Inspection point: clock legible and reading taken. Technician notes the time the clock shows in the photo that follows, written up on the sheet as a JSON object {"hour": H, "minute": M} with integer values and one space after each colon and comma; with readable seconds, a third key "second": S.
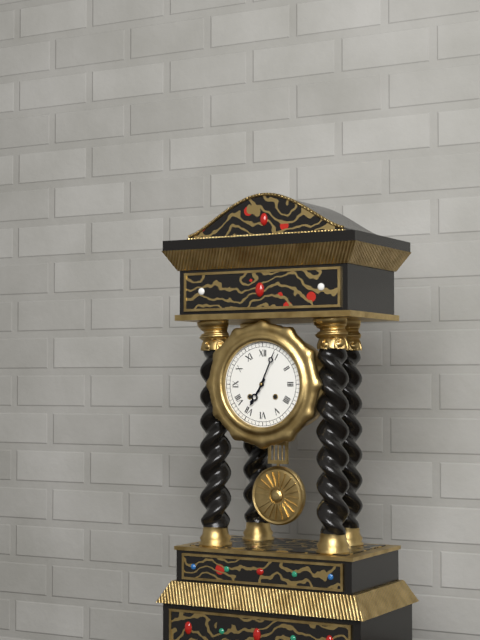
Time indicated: {"hour": 7, "minute": 4}
